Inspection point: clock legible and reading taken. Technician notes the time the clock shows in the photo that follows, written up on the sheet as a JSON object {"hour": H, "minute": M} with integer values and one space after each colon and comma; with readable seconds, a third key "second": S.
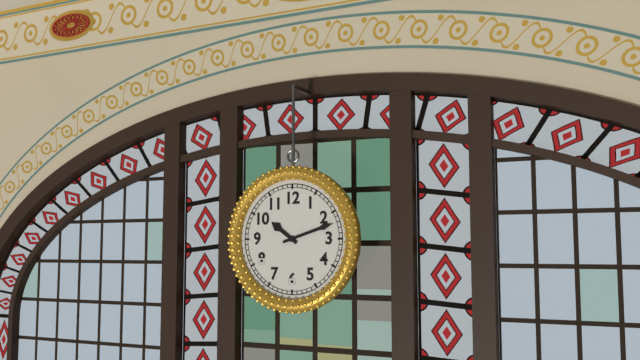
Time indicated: {"hour": 10, "minute": 12}
